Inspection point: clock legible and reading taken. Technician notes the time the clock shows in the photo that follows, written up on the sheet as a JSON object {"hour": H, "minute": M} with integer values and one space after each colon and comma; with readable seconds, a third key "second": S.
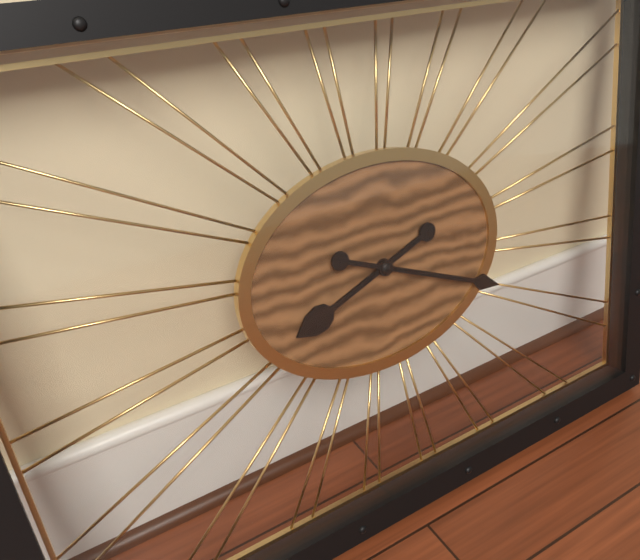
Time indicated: {"hour": 8, "minute": 19}
